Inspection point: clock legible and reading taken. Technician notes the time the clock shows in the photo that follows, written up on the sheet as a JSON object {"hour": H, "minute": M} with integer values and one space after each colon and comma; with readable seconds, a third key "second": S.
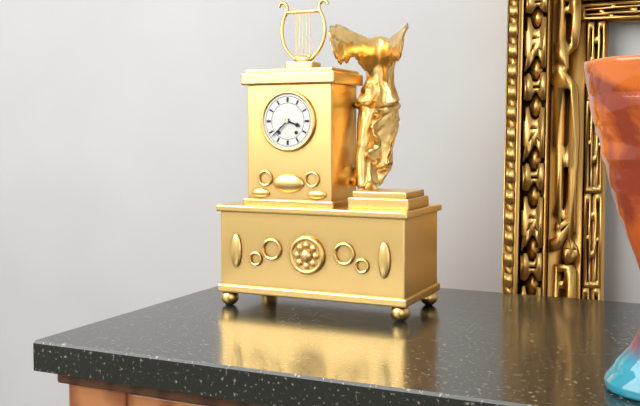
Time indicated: {"hour": 3, "minute": 38}
